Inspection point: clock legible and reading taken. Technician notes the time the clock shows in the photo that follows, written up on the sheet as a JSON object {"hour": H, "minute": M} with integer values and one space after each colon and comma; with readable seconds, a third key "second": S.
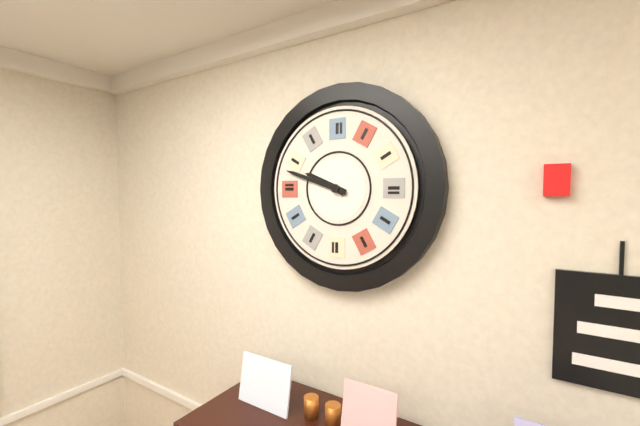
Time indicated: {"hour": 9, "minute": 48}
